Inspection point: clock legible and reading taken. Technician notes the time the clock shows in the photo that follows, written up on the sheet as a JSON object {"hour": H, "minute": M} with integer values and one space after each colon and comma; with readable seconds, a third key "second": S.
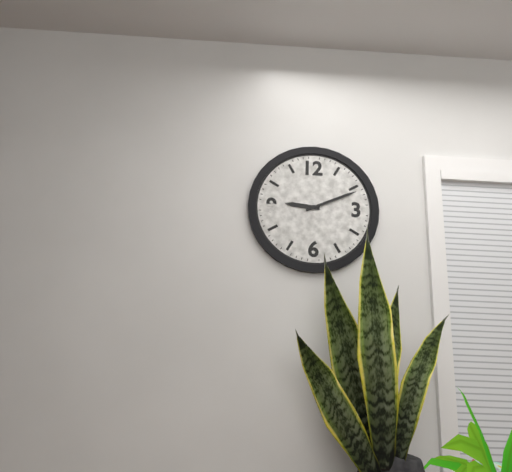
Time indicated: {"hour": 9, "minute": 11}
